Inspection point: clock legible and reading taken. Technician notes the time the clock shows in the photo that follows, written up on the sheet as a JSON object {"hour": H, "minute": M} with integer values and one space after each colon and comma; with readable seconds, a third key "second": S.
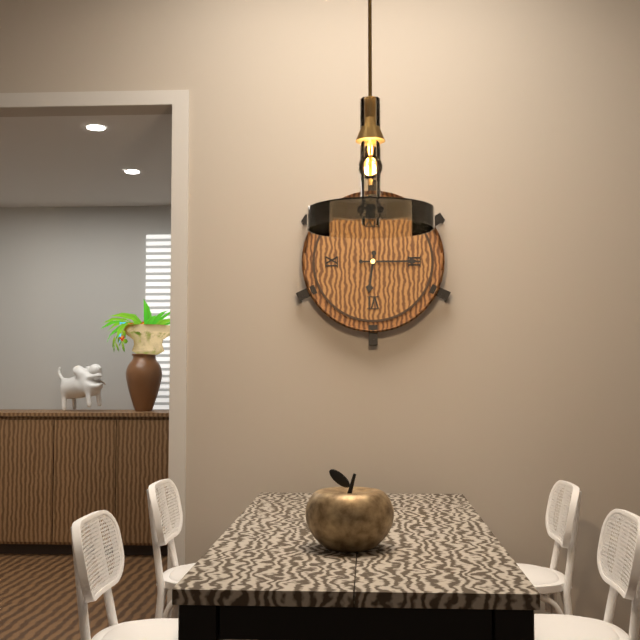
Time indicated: {"hour": 6, "minute": 15}
